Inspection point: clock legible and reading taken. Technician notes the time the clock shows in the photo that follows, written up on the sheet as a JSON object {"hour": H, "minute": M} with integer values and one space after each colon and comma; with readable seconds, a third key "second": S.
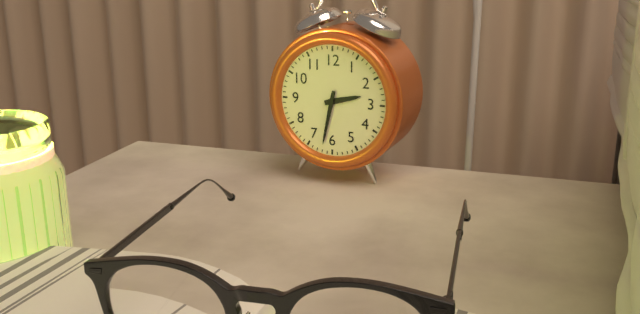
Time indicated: {"hour": 2, "minute": 32}
